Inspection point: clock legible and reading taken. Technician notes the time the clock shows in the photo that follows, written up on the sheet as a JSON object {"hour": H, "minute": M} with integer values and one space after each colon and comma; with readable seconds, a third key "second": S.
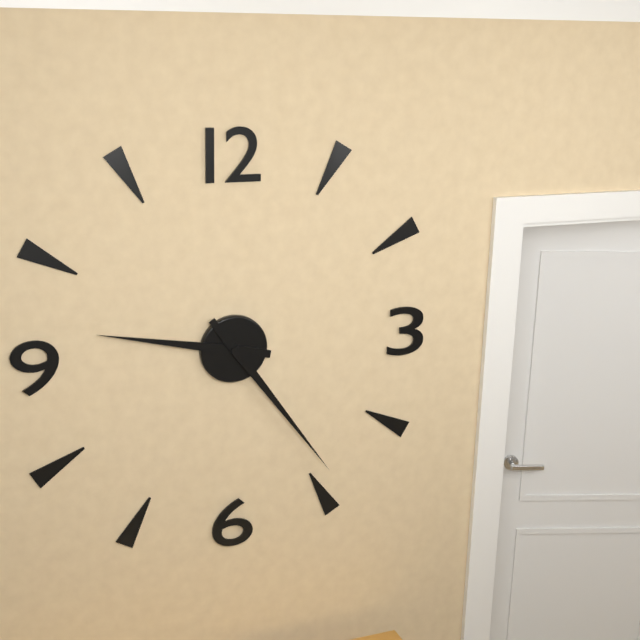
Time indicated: {"hour": 9, "minute": 24}
